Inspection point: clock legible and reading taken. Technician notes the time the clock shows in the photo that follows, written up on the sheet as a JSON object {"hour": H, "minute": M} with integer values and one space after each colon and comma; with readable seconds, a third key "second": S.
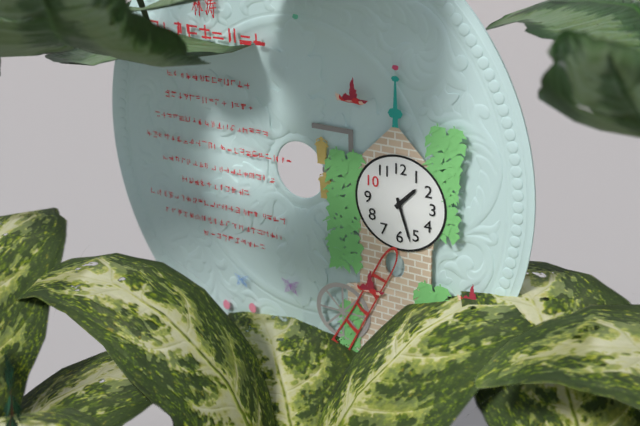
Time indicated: {"hour": 1, "minute": 27}
